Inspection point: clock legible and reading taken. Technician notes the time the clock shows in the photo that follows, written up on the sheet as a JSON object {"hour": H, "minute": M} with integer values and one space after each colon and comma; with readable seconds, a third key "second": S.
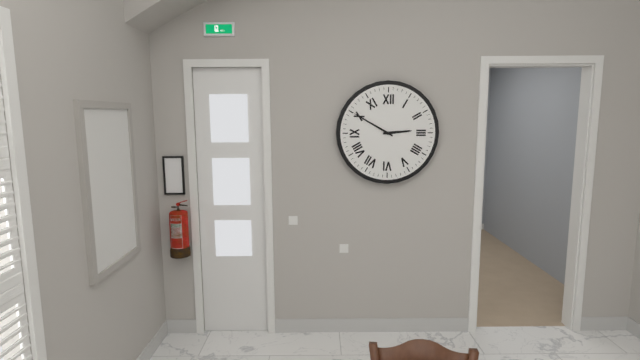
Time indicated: {"hour": 2, "minute": 50}
